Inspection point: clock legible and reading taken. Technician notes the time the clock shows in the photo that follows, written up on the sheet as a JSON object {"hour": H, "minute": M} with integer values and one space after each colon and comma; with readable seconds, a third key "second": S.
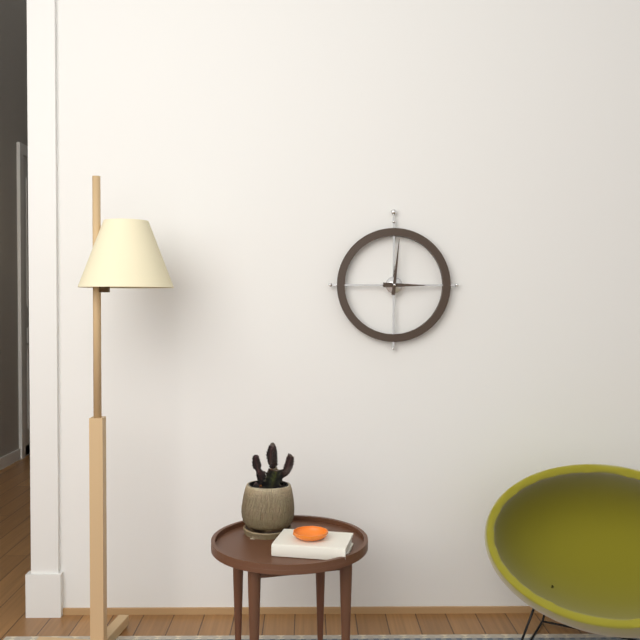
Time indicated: {"hour": 3, "minute": 1}
